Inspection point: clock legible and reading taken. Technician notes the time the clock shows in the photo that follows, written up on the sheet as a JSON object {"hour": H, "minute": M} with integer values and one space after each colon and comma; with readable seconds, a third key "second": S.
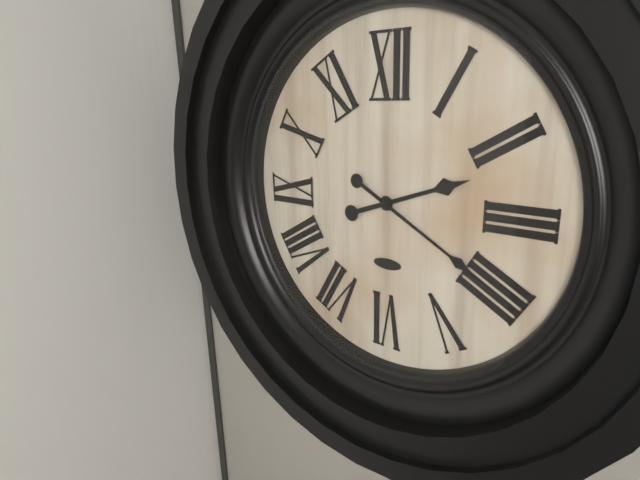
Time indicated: {"hour": 2, "minute": 20}
